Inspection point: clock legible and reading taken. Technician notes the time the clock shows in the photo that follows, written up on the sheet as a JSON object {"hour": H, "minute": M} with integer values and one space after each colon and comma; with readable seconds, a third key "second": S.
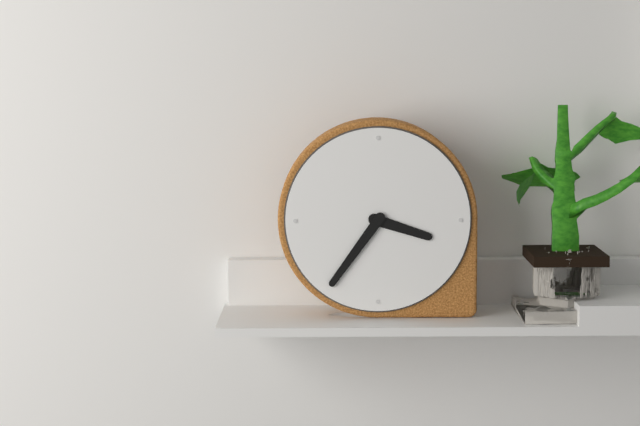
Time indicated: {"hour": 3, "minute": 36}
